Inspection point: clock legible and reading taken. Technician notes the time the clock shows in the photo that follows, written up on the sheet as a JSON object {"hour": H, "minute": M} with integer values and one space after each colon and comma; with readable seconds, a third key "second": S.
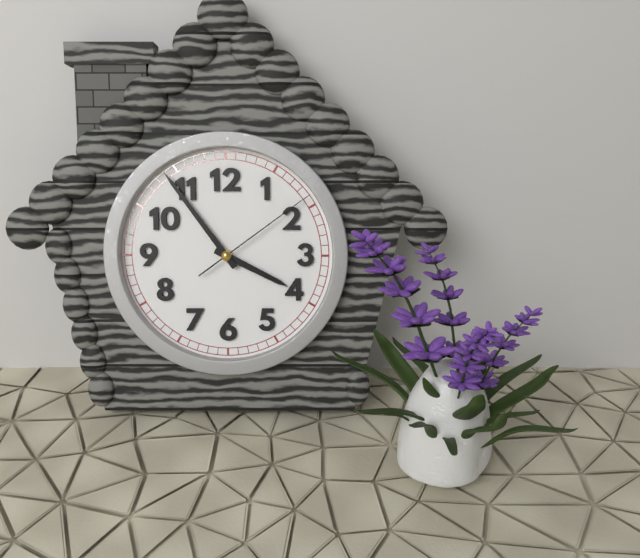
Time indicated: {"hour": 3, "minute": 54, "second": 9}
